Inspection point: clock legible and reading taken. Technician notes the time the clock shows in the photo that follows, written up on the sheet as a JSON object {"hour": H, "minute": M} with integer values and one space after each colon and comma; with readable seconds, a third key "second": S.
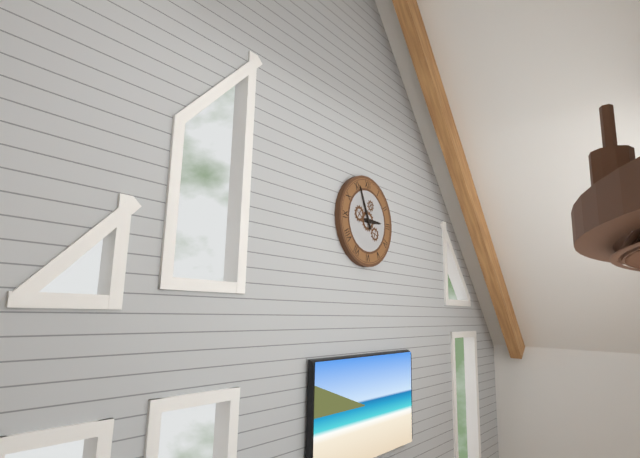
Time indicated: {"hour": 2, "minute": 56}
